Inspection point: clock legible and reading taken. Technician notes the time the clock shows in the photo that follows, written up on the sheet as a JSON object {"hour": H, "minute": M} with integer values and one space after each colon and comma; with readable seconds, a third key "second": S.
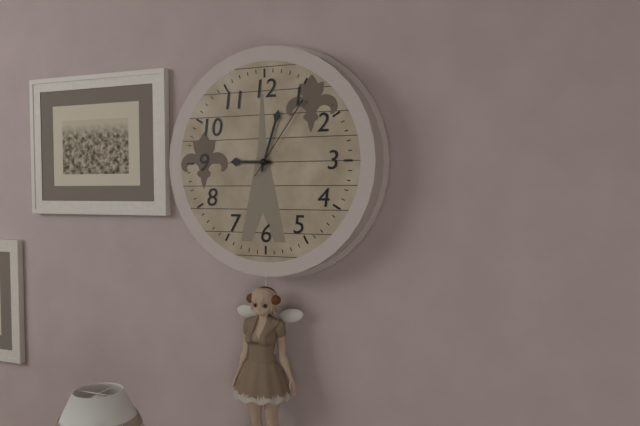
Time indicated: {"hour": 9, "minute": 3, "second": 6}
